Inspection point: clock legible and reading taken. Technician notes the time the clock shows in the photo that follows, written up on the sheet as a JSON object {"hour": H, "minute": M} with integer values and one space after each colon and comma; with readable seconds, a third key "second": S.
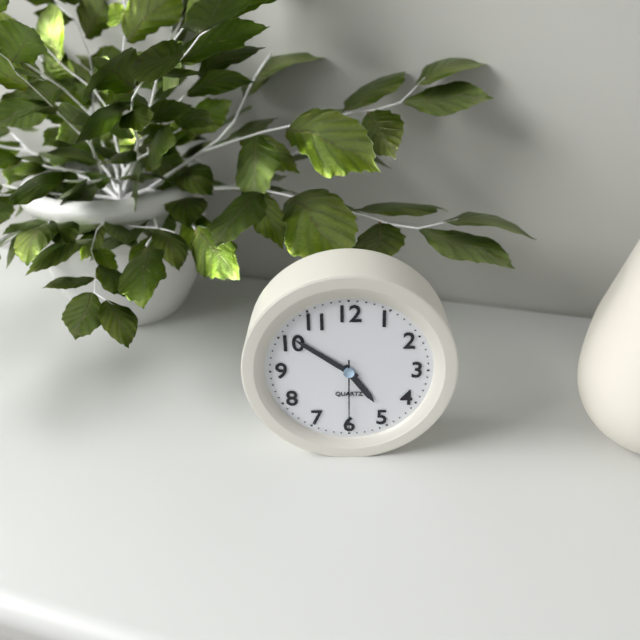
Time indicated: {"hour": 4, "minute": 51, "second": 30}
